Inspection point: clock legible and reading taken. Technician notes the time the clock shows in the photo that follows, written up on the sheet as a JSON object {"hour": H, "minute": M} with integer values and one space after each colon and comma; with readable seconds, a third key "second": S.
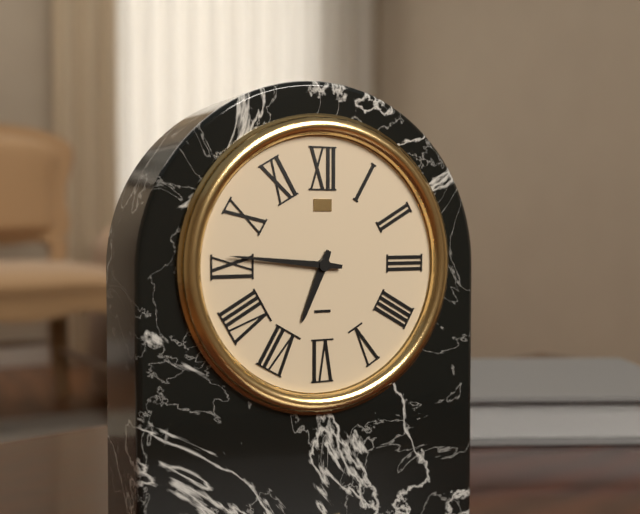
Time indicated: {"hour": 6, "minute": 46}
